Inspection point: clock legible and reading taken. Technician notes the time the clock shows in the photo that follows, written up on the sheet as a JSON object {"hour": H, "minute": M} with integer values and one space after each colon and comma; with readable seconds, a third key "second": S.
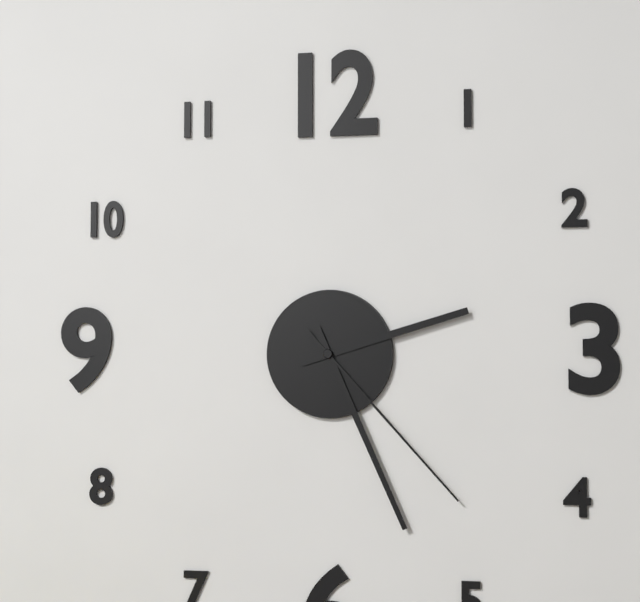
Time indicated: {"hour": 2, "minute": 26, "second": 23}
